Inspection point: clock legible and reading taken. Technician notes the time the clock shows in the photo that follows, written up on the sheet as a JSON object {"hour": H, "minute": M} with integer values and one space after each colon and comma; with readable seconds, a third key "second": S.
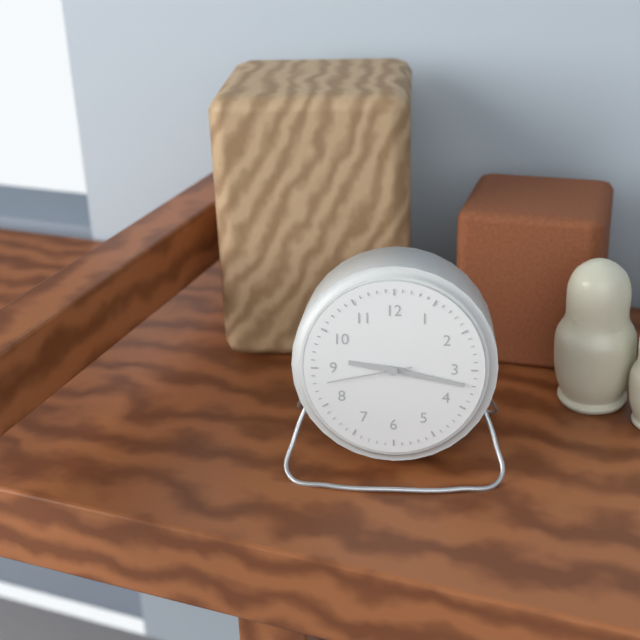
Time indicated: {"hour": 9, "minute": 17, "second": 43}
